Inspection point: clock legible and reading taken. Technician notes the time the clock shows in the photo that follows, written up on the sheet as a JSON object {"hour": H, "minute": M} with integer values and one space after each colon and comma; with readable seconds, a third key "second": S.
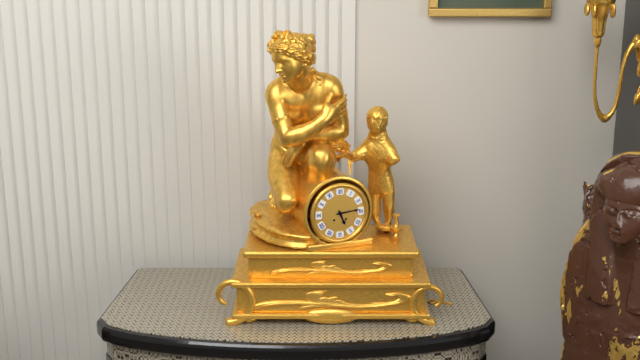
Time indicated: {"hour": 5, "minute": 14}
